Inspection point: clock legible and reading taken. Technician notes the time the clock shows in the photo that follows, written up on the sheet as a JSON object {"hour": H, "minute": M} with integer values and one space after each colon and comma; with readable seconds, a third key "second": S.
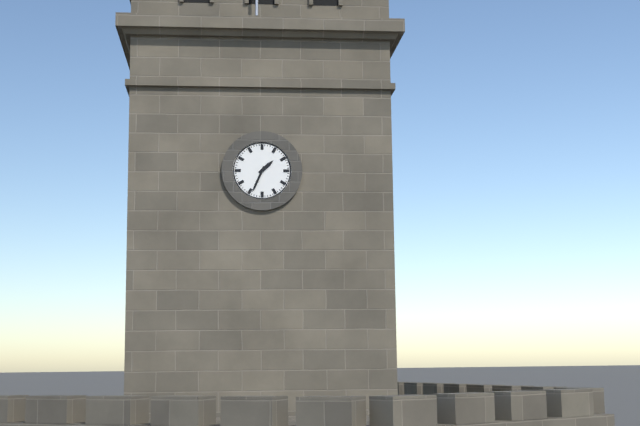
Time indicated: {"hour": 1, "minute": 34}
